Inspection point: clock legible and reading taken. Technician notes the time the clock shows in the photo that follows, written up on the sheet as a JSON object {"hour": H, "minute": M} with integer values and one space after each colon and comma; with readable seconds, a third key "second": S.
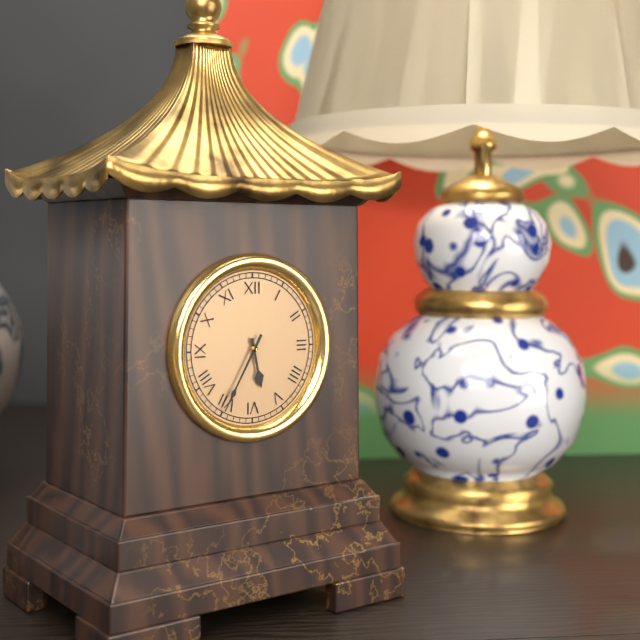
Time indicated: {"hour": 5, "minute": 35}
